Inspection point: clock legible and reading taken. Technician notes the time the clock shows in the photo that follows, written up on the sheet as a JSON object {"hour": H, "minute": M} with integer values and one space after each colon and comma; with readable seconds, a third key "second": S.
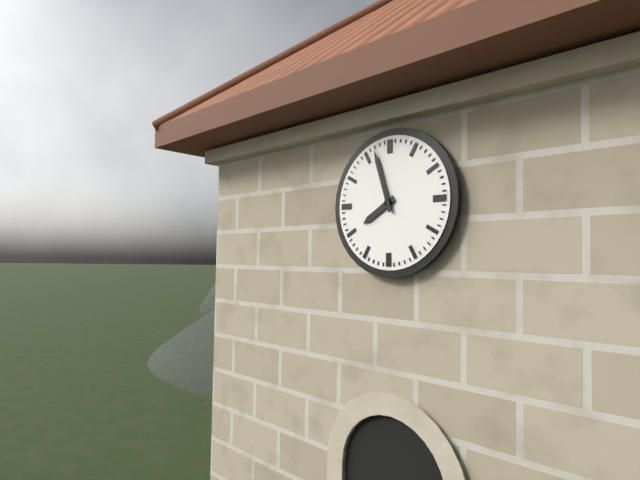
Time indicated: {"hour": 7, "minute": 57}
